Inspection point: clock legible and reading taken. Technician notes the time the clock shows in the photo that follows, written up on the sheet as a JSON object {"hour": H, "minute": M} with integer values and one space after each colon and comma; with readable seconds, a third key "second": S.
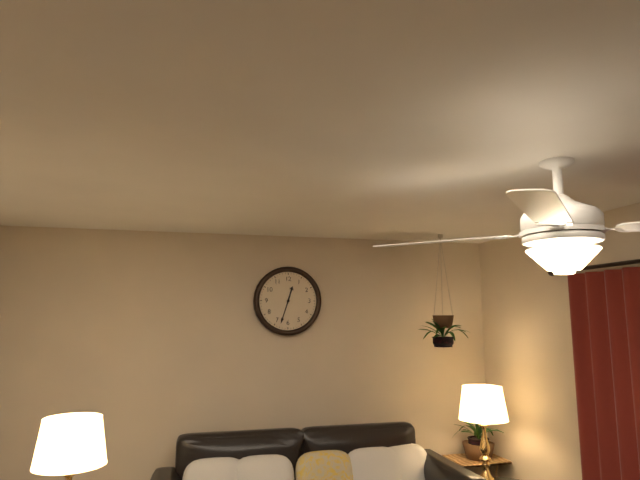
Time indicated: {"hour": 12, "minute": 33}
